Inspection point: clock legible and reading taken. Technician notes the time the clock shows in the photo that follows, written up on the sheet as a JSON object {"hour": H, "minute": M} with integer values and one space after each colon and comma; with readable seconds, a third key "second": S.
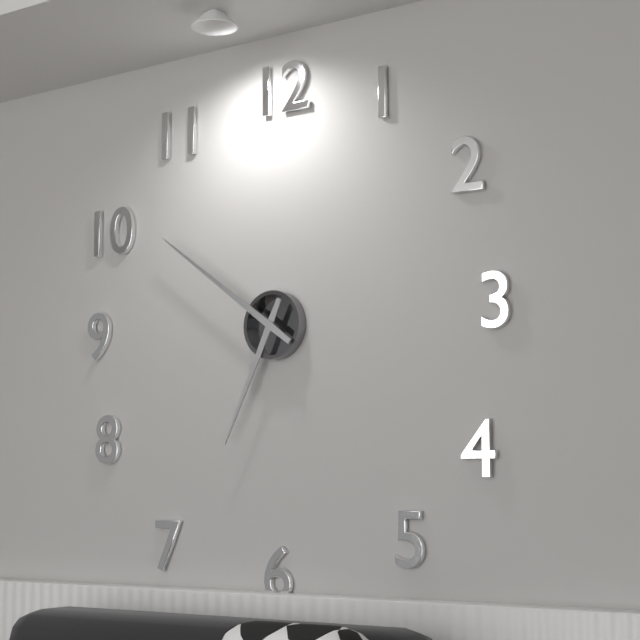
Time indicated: {"hour": 6, "minute": 51}
